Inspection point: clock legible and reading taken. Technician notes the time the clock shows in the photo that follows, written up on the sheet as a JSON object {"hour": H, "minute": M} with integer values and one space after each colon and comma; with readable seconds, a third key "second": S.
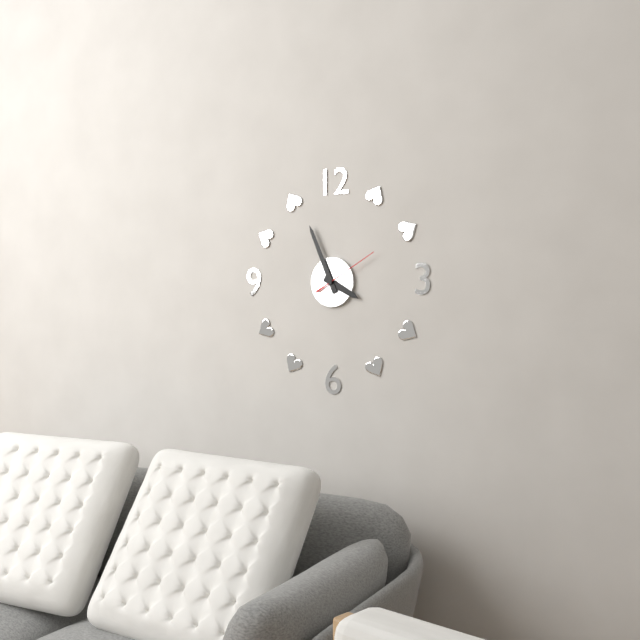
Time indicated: {"hour": 3, "minute": 56, "second": 10}
